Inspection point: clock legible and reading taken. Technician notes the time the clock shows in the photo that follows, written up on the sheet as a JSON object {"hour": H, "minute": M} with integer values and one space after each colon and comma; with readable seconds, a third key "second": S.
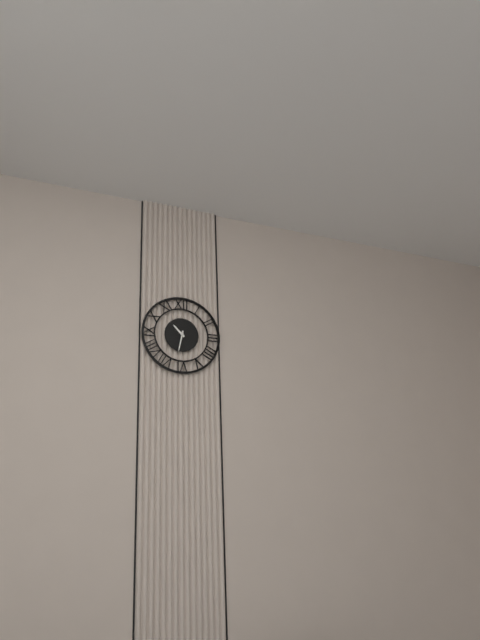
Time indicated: {"hour": 10, "minute": 32}
